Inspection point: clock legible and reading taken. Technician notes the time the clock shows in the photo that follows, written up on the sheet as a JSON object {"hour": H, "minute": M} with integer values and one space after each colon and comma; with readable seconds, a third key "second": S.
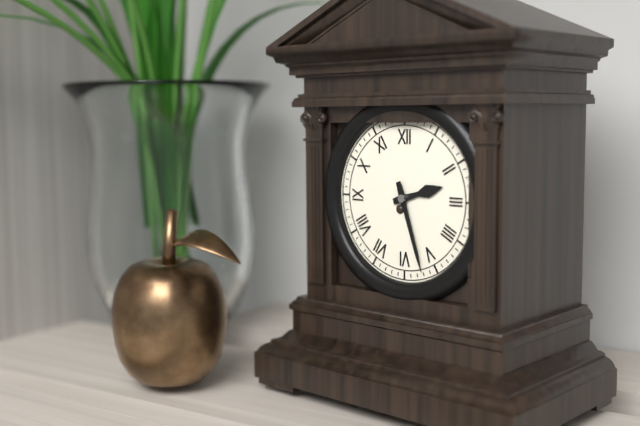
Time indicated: {"hour": 2, "minute": 27}
